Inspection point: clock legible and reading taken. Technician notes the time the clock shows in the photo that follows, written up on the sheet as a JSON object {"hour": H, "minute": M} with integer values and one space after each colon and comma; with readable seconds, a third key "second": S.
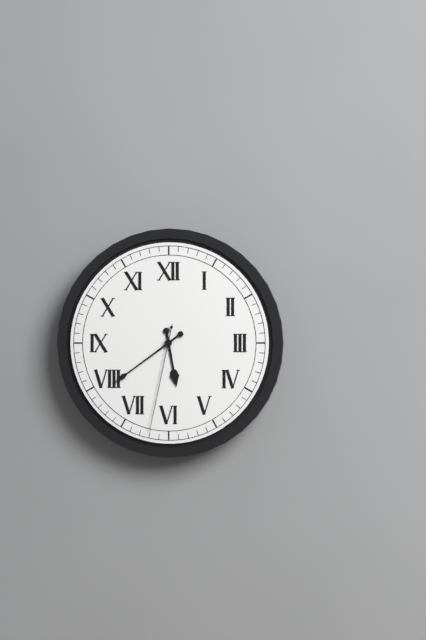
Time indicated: {"hour": 5, "minute": 39, "second": 32}
